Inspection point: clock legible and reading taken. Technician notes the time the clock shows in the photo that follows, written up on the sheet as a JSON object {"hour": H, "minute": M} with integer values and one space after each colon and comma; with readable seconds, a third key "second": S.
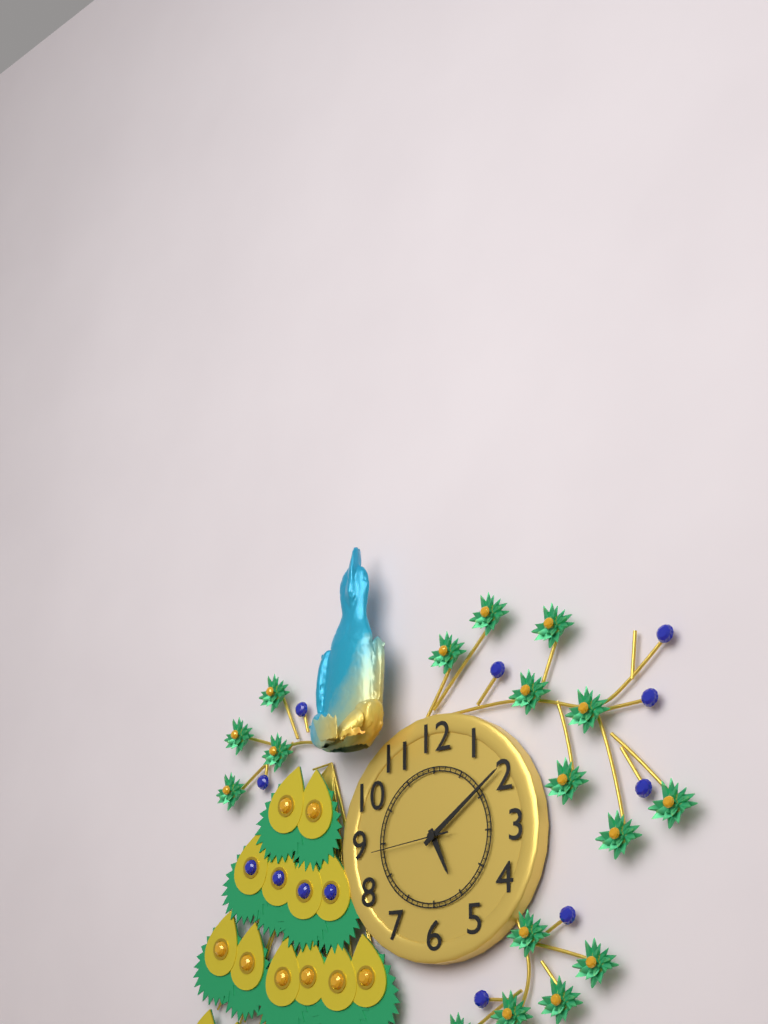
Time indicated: {"hour": 5, "minute": 9, "second": 44}
